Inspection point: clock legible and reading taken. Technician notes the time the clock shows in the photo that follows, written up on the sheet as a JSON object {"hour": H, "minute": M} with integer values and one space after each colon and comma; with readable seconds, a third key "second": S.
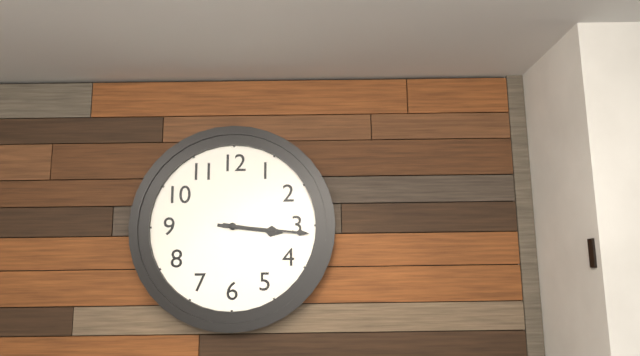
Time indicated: {"hour": 3, "minute": 16}
